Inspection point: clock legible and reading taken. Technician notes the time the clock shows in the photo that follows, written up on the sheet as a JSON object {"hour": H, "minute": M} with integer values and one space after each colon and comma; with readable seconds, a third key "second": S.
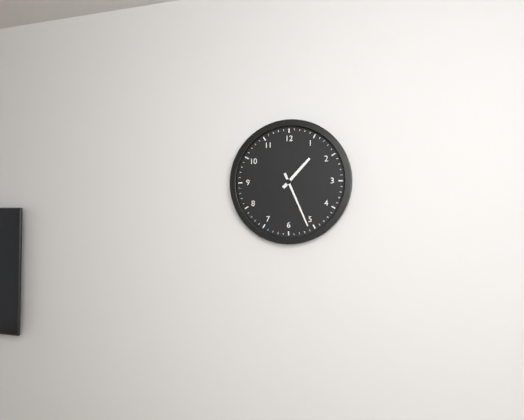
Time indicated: {"hour": 1, "minute": 26}
